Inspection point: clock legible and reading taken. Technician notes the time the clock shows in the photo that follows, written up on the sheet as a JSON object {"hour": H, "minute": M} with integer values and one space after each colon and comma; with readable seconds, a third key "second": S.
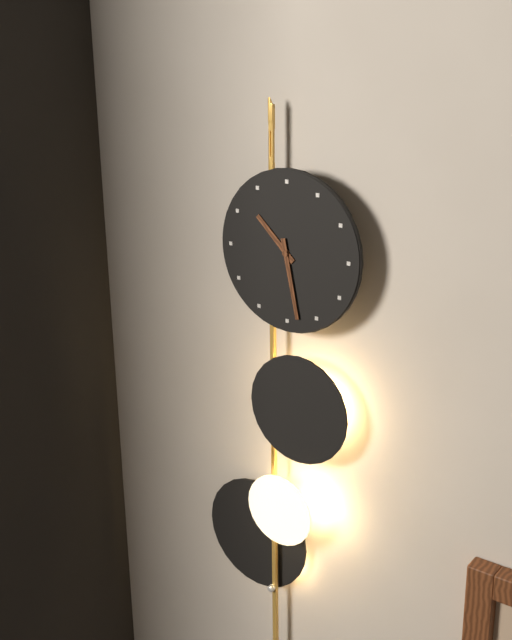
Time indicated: {"hour": 10, "minute": 28}
